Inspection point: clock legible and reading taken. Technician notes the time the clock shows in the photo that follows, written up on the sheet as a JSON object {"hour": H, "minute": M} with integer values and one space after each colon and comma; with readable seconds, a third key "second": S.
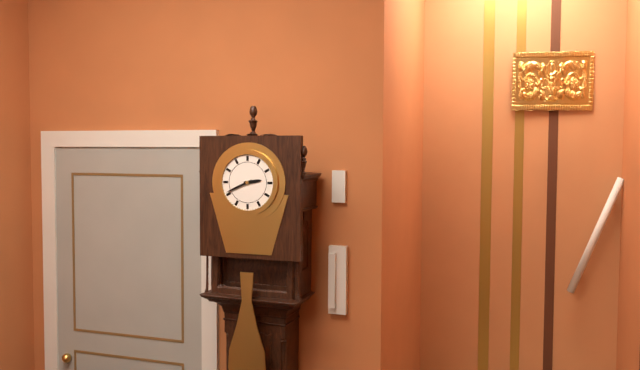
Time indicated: {"hour": 2, "minute": 41}
